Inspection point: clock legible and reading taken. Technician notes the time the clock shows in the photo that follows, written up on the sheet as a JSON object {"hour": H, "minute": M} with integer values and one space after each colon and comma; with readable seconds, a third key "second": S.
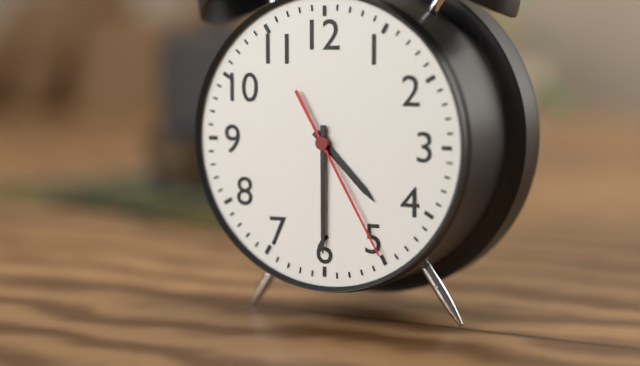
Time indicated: {"hour": 4, "minute": 30, "second": 25}
